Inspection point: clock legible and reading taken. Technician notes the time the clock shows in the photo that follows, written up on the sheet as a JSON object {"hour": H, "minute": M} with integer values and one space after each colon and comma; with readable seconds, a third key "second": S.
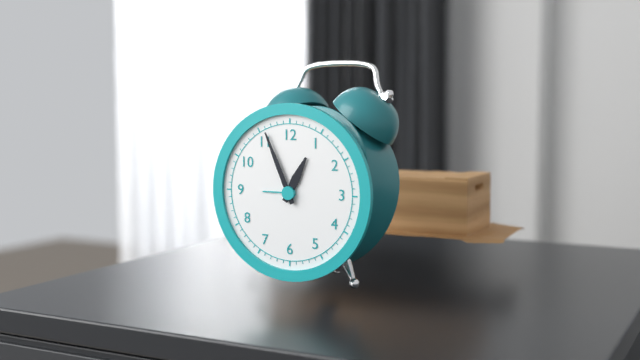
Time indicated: {"hour": 12, "minute": 56}
